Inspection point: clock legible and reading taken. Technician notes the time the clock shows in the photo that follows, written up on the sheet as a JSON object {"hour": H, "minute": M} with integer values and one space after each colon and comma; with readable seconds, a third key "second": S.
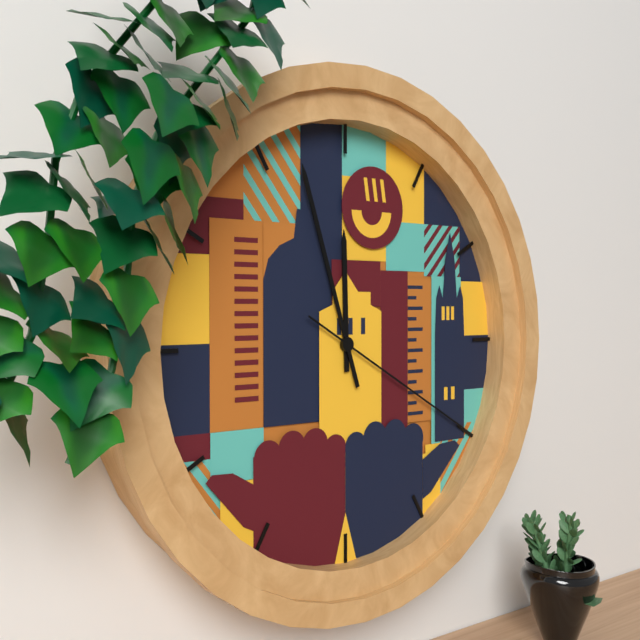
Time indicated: {"hour": 11, "minute": 57, "second": 20}
